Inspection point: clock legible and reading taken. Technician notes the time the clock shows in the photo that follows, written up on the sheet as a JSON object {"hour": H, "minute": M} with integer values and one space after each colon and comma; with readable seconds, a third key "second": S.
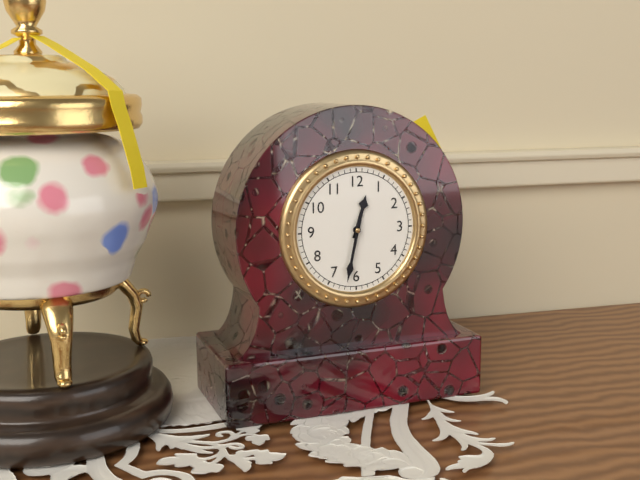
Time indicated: {"hour": 12, "minute": 32}
